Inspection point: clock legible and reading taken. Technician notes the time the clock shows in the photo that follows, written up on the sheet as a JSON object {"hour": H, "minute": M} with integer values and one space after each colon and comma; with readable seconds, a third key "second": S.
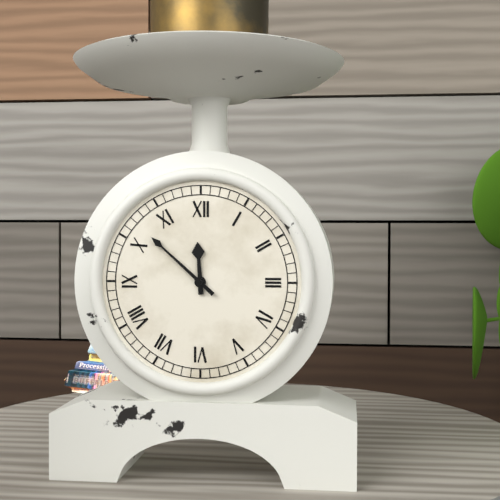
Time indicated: {"hour": 11, "minute": 52}
